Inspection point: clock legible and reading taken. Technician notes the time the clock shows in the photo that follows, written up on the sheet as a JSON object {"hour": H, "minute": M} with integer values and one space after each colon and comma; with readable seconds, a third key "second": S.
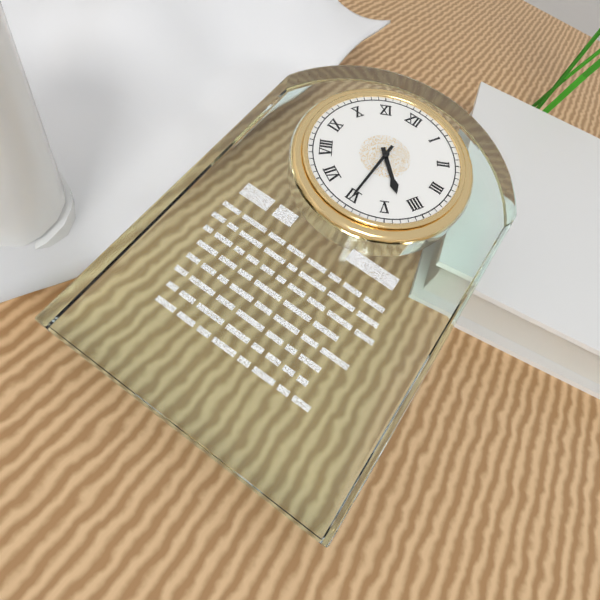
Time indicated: {"hour": 4, "minute": 30}
